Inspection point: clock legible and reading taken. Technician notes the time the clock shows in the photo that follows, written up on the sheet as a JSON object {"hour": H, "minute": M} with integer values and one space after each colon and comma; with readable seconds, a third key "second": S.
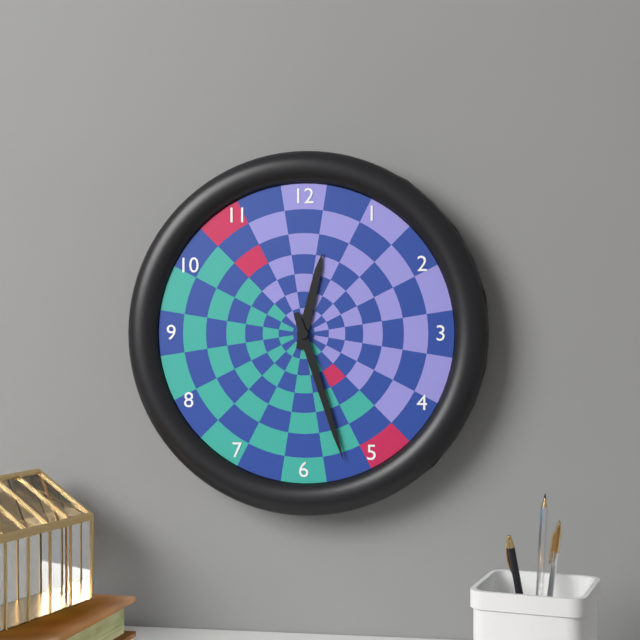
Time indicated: {"hour": 12, "minute": 27}
